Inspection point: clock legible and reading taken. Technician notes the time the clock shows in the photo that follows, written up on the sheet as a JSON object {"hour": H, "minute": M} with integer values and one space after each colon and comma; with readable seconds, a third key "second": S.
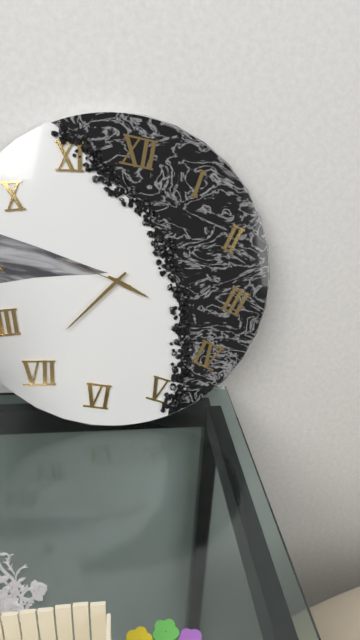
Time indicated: {"hour": 3, "minute": 36, "second": 47}
